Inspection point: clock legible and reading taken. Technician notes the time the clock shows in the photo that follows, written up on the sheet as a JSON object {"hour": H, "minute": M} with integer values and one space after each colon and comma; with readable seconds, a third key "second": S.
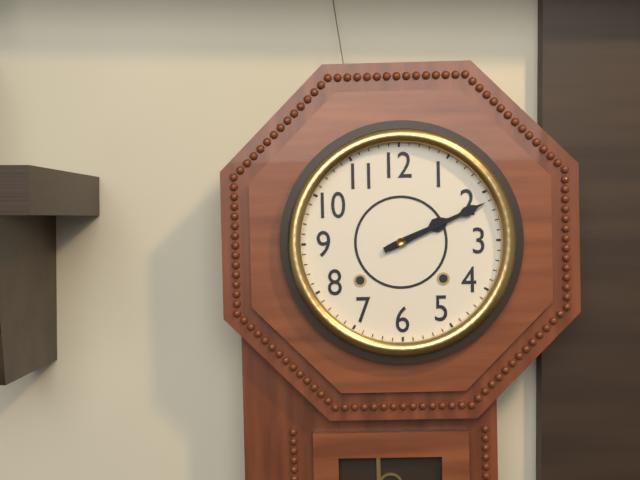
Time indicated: {"hour": 2, "minute": 11}
